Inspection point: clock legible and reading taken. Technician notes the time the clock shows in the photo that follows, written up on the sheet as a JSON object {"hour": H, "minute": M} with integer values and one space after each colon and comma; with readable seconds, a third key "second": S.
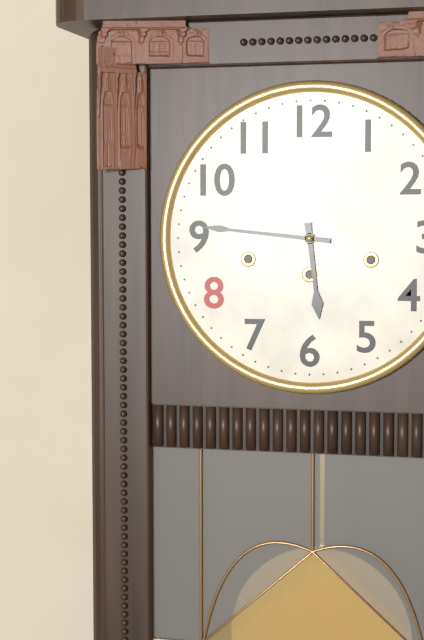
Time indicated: {"hour": 5, "minute": 46}
